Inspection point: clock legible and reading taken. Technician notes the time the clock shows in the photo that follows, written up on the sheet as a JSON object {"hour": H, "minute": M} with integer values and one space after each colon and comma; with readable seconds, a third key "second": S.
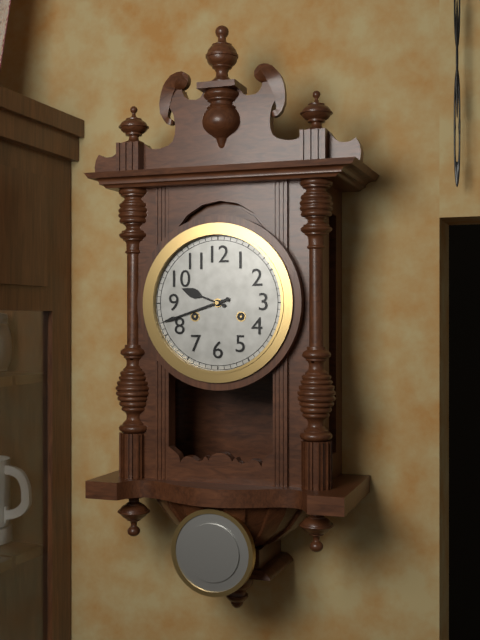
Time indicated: {"hour": 9, "minute": 42}
